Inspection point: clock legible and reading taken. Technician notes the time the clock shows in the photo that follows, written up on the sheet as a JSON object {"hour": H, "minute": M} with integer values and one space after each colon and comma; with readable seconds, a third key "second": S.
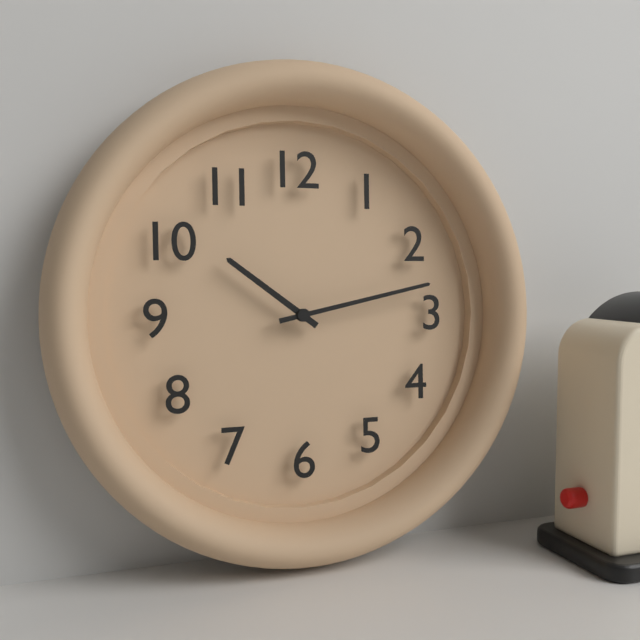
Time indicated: {"hour": 10, "minute": 13}
